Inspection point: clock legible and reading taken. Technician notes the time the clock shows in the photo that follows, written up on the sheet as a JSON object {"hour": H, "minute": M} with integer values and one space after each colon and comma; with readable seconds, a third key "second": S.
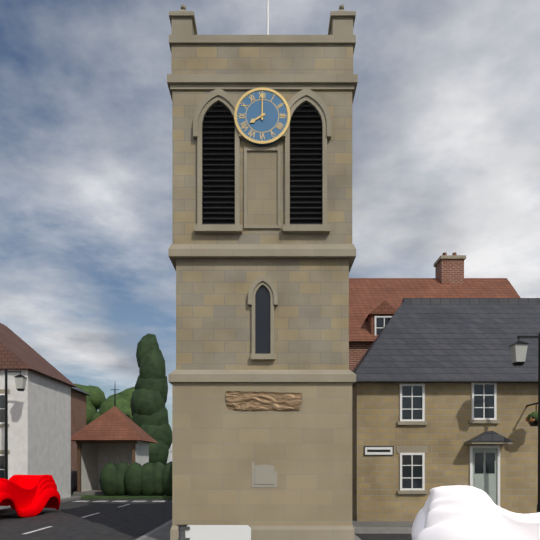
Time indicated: {"hour": 8, "minute": 0}
